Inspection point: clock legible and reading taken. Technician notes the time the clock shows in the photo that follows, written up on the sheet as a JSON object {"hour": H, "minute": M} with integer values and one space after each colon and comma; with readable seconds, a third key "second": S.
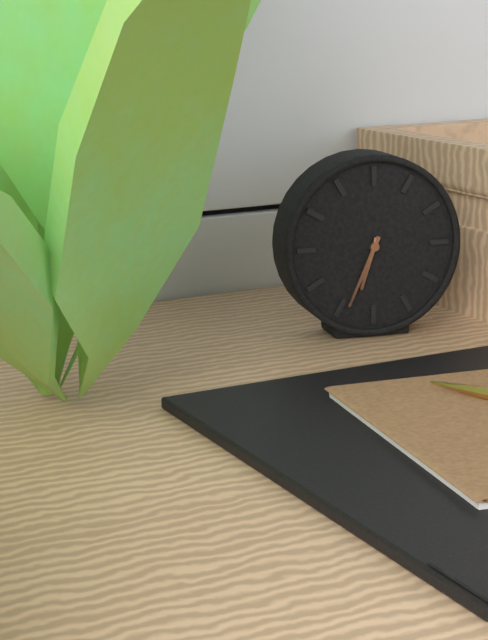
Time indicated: {"hour": 6, "minute": 34}
